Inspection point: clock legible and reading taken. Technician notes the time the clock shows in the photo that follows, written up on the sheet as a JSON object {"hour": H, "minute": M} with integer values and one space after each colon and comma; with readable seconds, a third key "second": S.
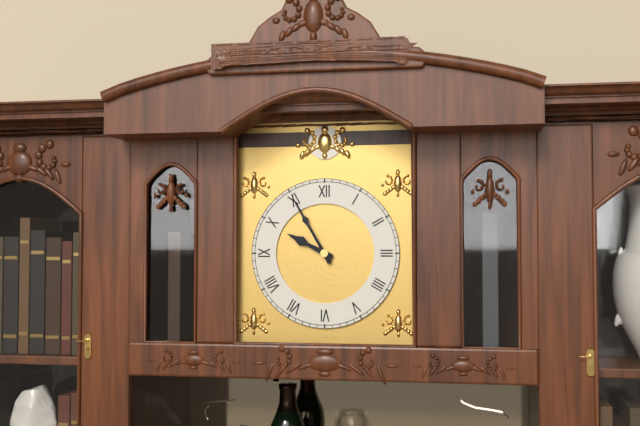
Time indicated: {"hour": 9, "minute": 55}
